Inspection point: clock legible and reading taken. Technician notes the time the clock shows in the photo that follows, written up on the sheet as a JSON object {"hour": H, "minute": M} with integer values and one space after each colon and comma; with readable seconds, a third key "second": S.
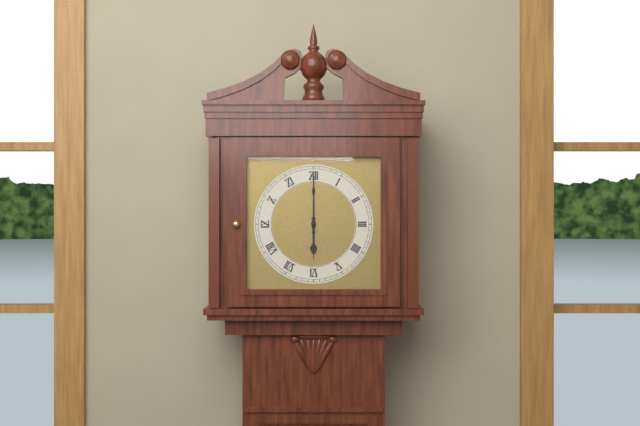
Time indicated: {"hour": 6, "minute": 0}
